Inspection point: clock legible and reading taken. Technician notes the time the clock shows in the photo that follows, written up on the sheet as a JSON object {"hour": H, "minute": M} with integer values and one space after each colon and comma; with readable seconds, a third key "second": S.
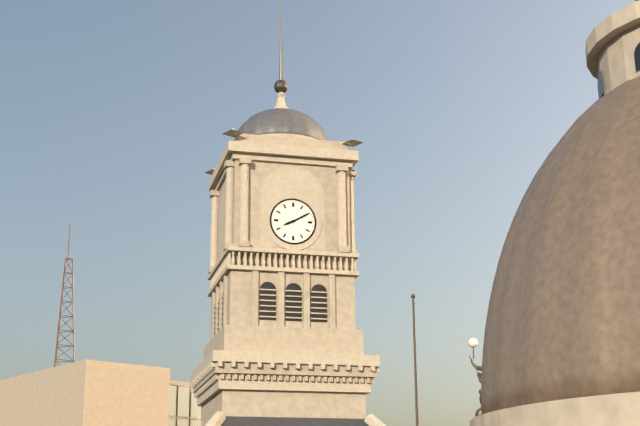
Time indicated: {"hour": 8, "minute": 10}
